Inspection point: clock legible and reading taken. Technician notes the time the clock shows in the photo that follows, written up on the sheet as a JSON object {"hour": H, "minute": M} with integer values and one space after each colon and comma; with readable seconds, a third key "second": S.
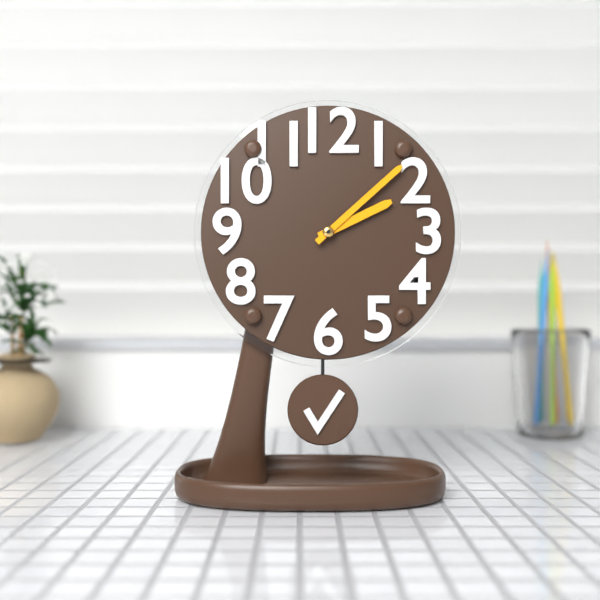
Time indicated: {"hour": 2, "minute": 8}
